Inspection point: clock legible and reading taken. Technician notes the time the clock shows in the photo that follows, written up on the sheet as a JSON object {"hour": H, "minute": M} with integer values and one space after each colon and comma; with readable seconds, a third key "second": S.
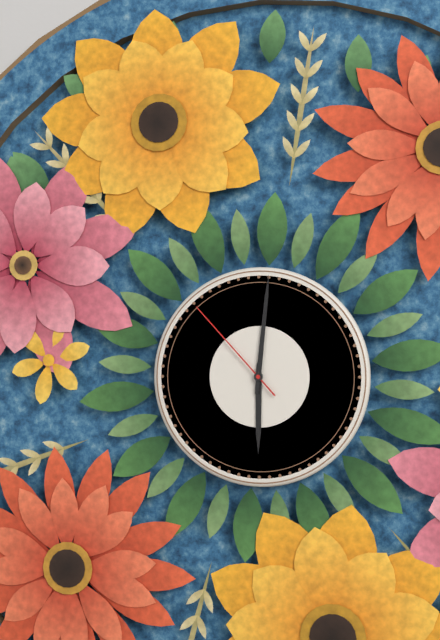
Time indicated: {"hour": 6, "minute": 1, "second": 53}
